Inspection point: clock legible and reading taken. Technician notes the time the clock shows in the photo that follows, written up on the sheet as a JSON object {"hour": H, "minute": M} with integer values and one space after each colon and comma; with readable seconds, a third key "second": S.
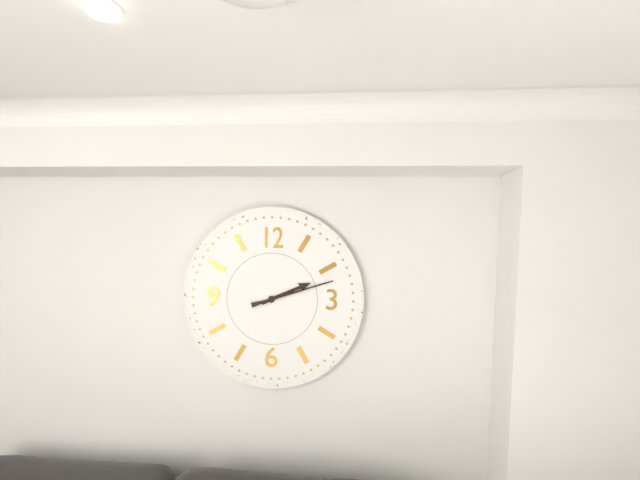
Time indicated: {"hour": 2, "minute": 12}
